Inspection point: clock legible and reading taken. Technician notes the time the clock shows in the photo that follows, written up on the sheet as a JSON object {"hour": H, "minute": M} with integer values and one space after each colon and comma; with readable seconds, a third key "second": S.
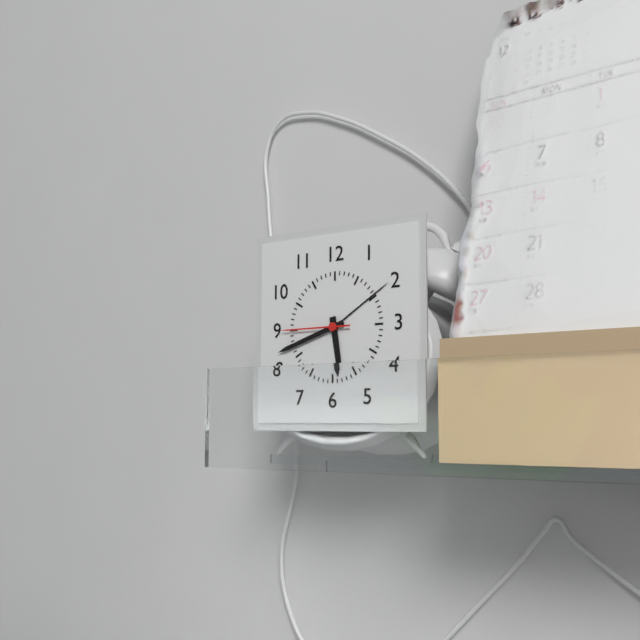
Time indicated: {"hour": 5, "minute": 42, "second": 45}
